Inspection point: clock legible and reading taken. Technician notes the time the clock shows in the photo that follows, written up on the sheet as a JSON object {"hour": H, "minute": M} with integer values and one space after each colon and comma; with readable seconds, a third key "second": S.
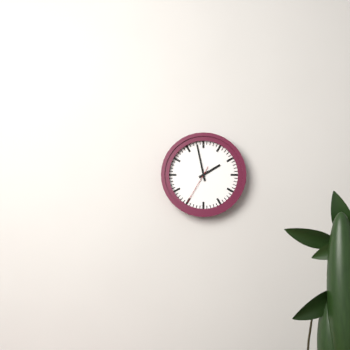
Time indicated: {"hour": 1, "minute": 58}
